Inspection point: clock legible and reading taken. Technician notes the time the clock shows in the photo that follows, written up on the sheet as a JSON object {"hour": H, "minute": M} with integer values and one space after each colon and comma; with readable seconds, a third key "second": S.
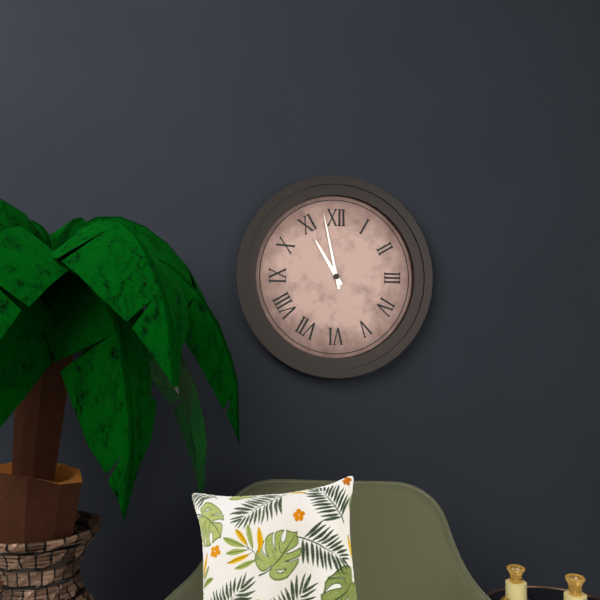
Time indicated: {"hour": 10, "minute": 58}
